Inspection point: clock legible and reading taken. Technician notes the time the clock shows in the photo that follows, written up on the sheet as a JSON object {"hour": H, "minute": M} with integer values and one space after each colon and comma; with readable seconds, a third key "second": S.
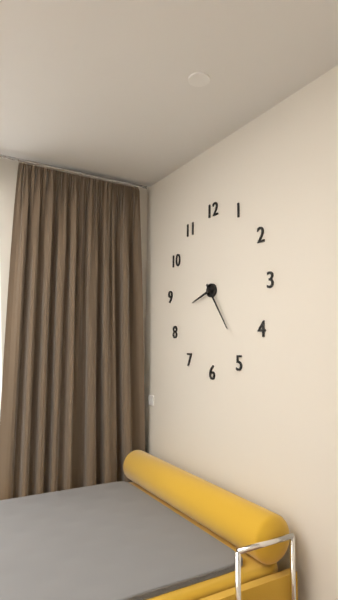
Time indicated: {"hour": 8, "minute": 24}
